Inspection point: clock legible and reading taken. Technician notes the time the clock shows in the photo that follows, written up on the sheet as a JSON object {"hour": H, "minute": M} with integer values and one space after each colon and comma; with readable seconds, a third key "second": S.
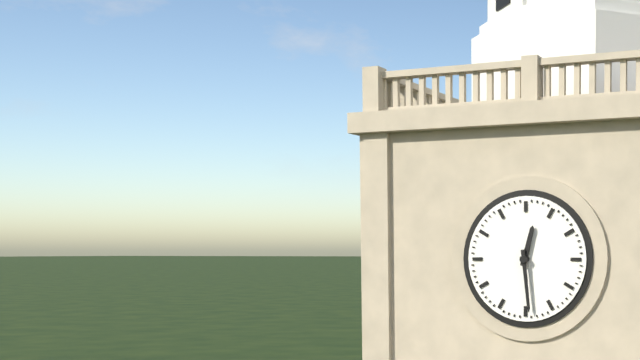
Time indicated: {"hour": 12, "minute": 29}
